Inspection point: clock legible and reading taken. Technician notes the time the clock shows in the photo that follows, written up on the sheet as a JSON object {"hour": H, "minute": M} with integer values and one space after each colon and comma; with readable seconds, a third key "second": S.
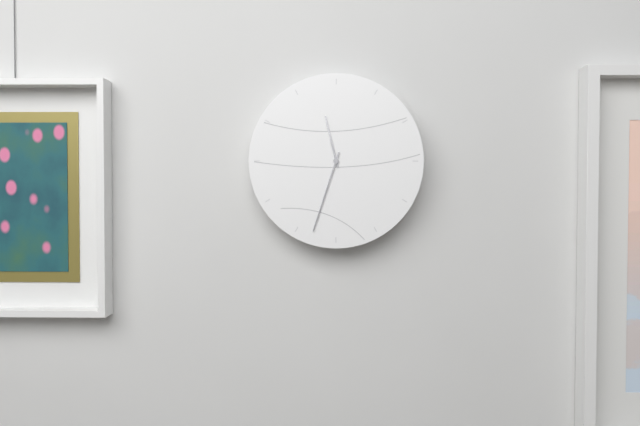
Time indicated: {"hour": 11, "minute": 33}
